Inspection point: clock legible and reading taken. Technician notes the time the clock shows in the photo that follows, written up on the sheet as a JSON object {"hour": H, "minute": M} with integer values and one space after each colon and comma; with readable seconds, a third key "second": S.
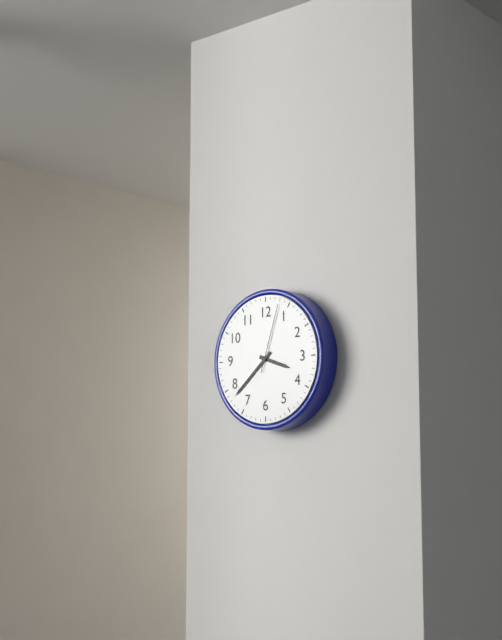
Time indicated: {"hour": 3, "minute": 38, "second": 3}
